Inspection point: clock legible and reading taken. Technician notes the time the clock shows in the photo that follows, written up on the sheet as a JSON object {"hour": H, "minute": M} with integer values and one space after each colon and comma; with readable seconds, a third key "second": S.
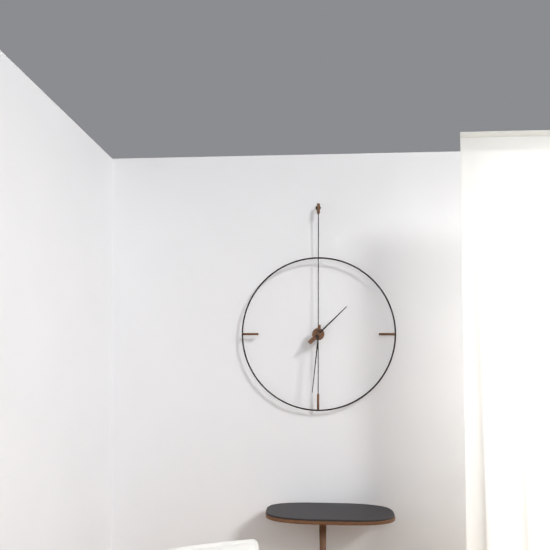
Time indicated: {"hour": 1, "minute": 31}
